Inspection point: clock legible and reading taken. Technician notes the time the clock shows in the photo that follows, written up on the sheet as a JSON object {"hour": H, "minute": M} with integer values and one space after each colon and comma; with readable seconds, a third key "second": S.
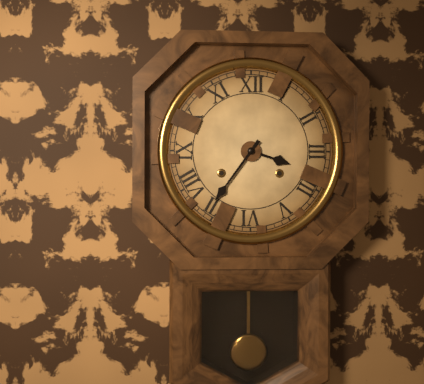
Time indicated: {"hour": 3, "minute": 36}
